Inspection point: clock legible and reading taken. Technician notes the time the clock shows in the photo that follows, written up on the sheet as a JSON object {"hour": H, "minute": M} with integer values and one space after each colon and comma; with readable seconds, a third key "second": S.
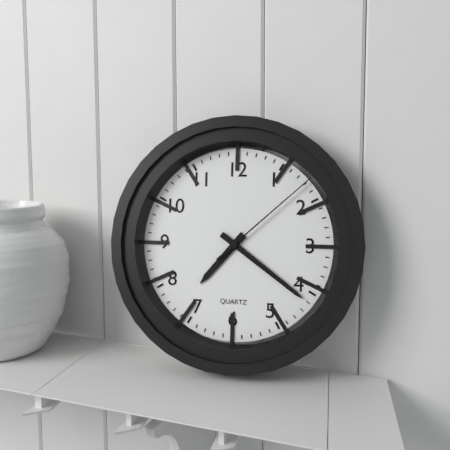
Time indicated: {"hour": 7, "minute": 21, "second": 8}
